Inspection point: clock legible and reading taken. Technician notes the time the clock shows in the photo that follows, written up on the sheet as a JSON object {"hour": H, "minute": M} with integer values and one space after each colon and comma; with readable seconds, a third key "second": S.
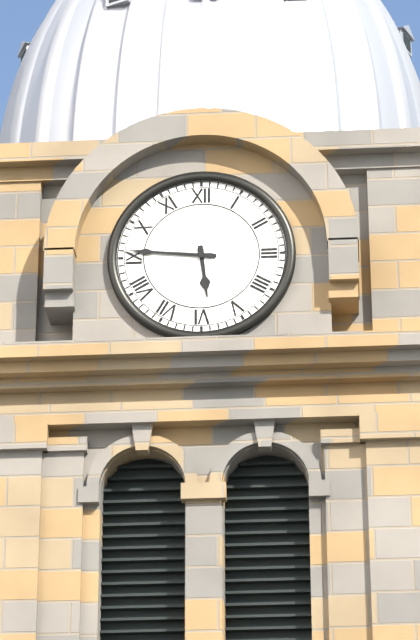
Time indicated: {"hour": 5, "minute": 46}
